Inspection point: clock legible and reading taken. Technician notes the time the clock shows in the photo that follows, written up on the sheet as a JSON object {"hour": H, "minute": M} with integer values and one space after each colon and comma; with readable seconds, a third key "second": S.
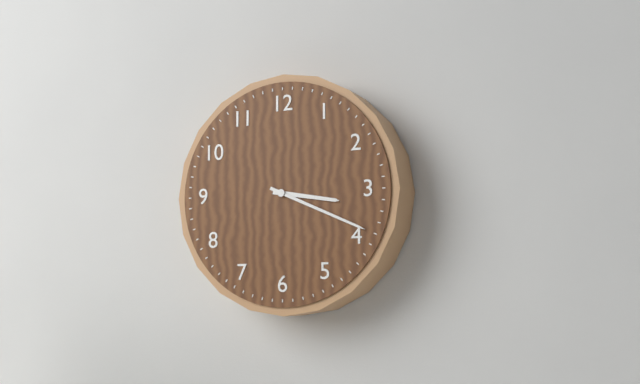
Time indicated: {"hour": 3, "minute": 19}
